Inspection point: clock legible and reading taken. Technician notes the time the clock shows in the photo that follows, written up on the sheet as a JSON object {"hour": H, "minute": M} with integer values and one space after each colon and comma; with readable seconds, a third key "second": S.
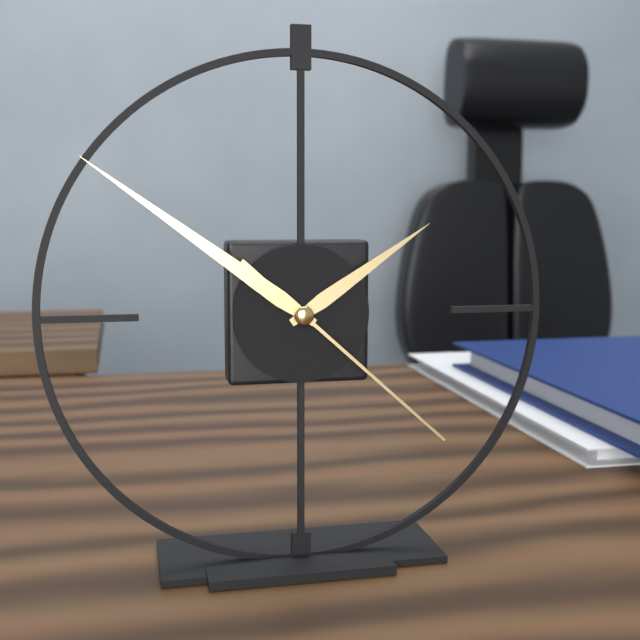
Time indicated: {"hour": 1, "minute": 51, "second": 22}
